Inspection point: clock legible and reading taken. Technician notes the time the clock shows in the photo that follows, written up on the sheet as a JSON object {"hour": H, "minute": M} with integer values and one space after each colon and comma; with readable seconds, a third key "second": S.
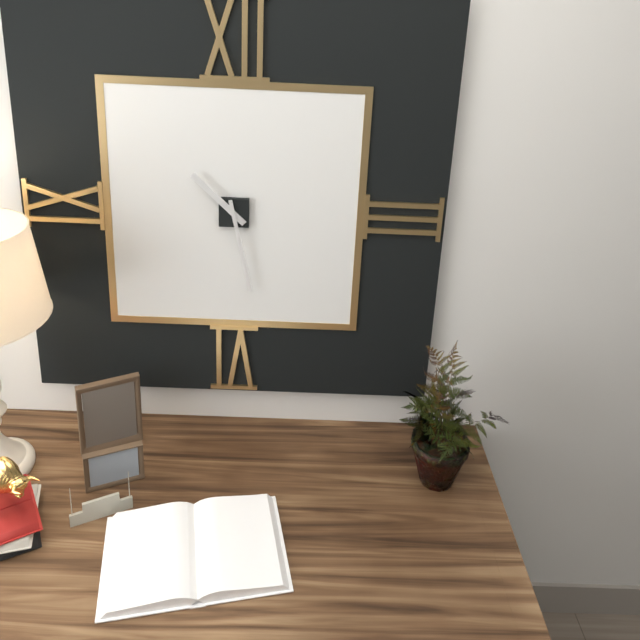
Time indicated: {"hour": 10, "minute": 28}
